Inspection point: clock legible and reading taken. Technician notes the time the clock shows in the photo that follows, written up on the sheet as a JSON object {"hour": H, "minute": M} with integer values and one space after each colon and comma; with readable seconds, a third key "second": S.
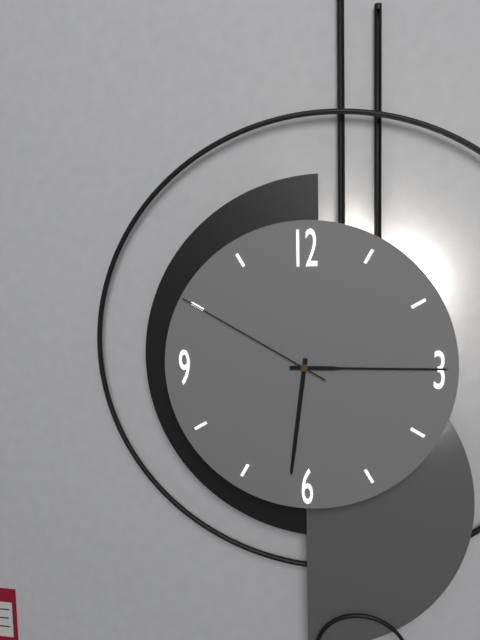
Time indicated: {"hour": 6, "minute": 15, "second": 50}
